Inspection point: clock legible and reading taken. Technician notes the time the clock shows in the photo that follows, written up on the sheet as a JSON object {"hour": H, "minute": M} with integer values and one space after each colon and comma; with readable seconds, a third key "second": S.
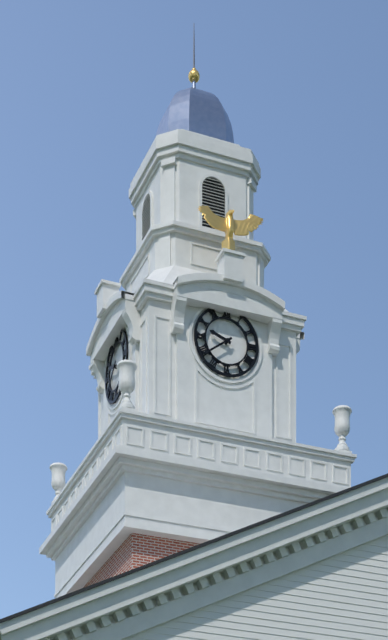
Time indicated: {"hour": 9, "minute": 39}
